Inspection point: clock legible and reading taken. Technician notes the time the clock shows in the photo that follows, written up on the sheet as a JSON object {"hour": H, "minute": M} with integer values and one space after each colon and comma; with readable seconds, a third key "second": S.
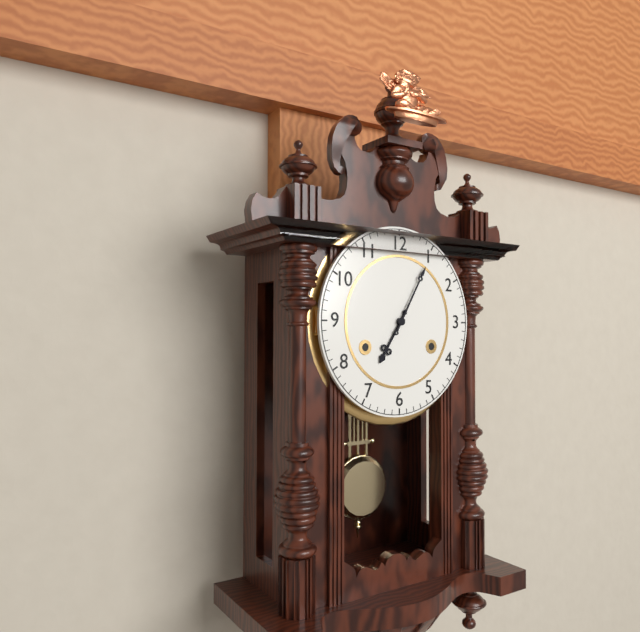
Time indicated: {"hour": 7, "minute": 5}
